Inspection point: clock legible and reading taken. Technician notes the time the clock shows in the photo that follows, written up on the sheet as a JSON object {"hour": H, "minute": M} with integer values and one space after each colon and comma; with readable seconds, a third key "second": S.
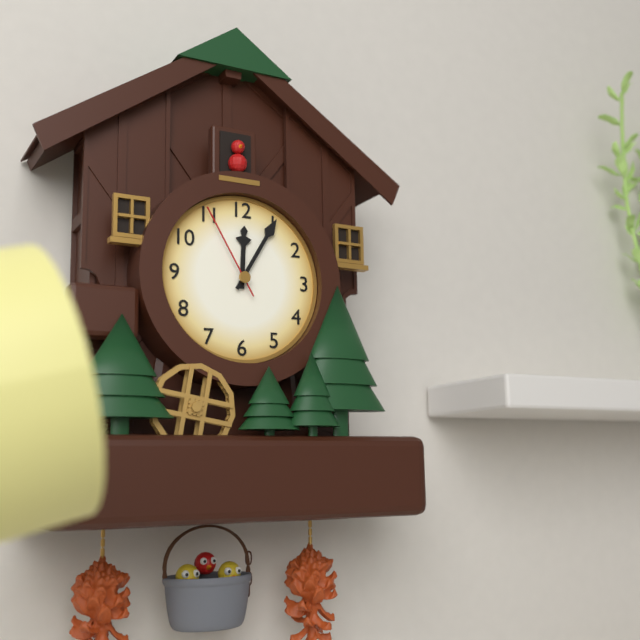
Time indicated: {"hour": 12, "minute": 5, "second": 55}
